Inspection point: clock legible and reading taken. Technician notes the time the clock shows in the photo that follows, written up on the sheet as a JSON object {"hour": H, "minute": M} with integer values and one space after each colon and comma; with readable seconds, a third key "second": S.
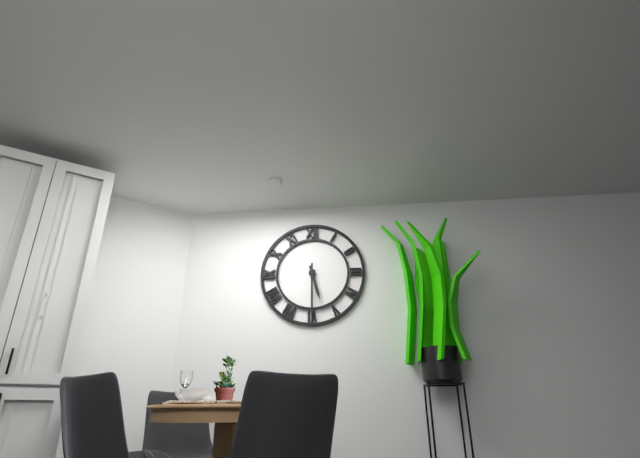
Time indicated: {"hour": 5, "minute": 30}
